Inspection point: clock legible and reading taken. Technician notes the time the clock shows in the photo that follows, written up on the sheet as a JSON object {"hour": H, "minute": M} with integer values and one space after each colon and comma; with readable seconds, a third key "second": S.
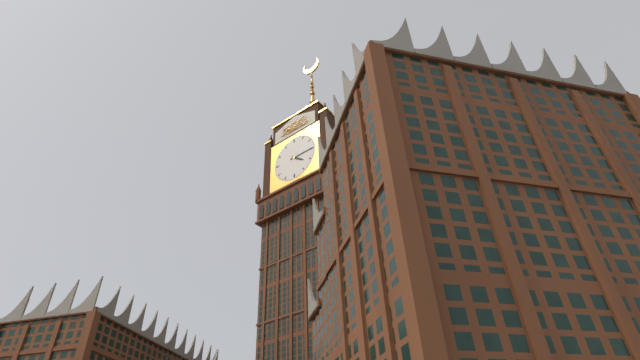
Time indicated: {"hour": 4, "minute": 15}
